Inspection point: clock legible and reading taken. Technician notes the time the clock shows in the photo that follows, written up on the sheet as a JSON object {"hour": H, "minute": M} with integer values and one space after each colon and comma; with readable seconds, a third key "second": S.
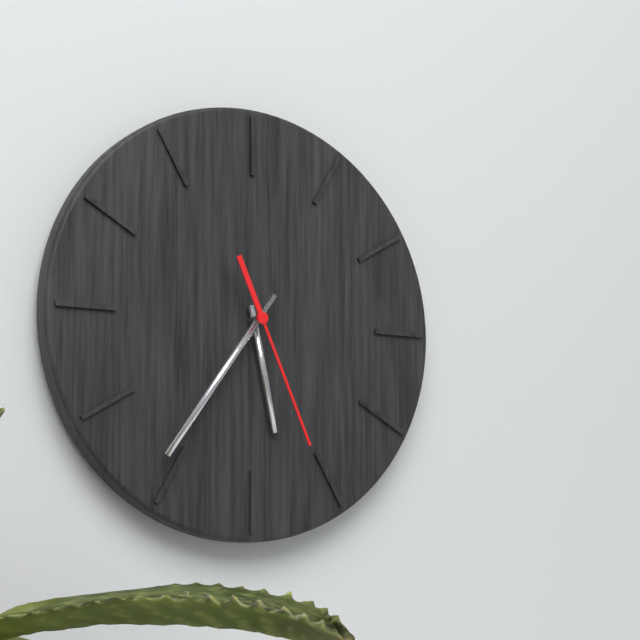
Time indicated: {"hour": 5, "minute": 36, "second": 26}
